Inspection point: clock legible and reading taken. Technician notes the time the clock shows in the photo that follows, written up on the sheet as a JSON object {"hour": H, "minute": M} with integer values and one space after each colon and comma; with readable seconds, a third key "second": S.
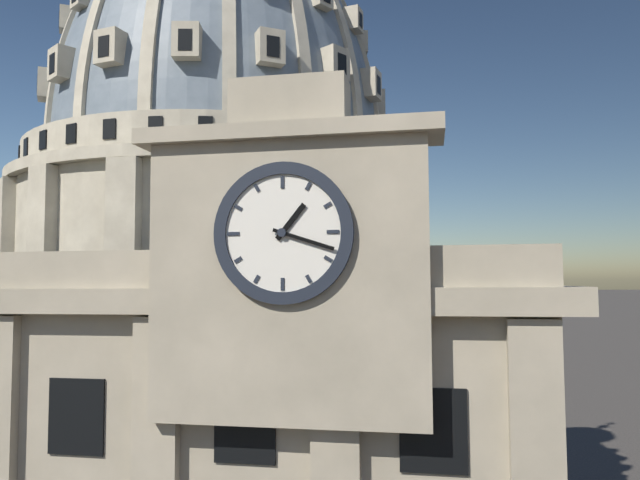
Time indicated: {"hour": 1, "minute": 18}
